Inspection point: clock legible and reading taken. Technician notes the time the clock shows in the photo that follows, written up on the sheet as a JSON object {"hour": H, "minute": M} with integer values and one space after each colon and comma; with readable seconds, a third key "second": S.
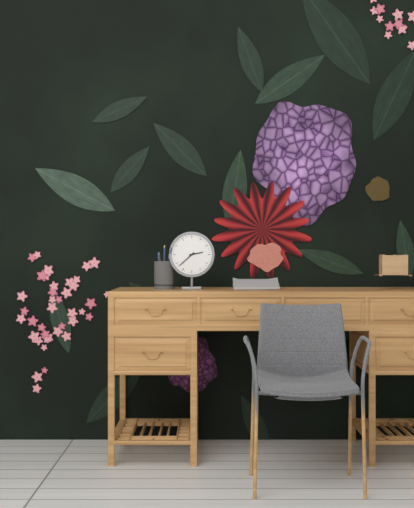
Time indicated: {"hour": 2, "minute": 38}
